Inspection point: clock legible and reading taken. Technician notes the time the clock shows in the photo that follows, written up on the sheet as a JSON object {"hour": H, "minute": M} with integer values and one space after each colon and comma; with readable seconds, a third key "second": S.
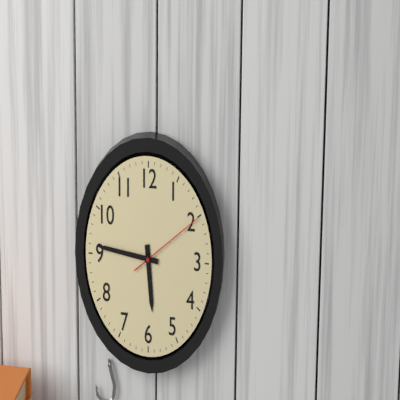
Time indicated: {"hour": 5, "minute": 46, "second": 10}
